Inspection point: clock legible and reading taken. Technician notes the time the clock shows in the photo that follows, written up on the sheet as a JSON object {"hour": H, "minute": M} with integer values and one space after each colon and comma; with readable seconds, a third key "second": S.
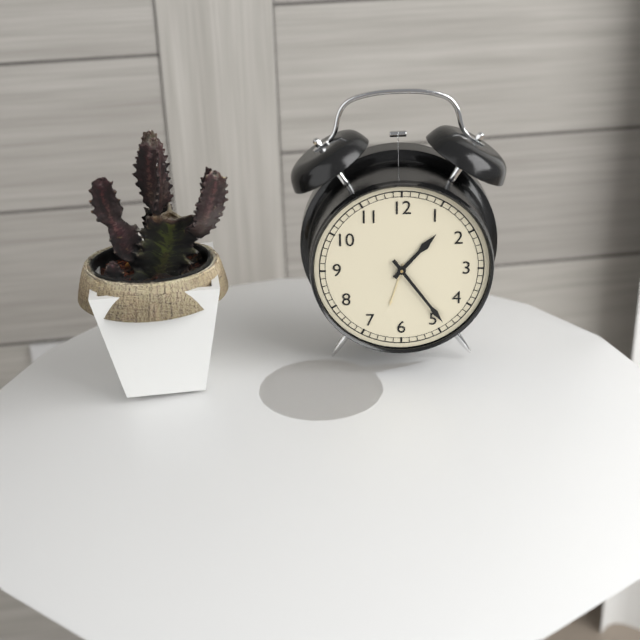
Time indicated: {"hour": 1, "minute": 24}
